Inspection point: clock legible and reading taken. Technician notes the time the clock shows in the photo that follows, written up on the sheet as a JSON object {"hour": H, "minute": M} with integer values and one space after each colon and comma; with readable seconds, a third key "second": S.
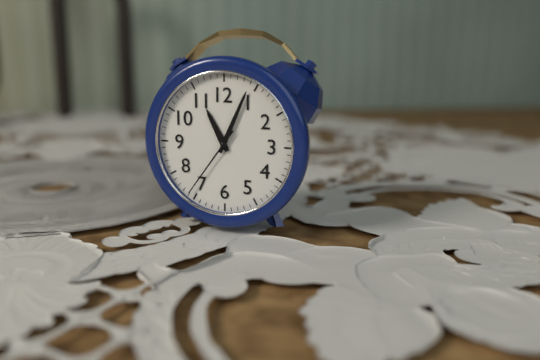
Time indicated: {"hour": 11, "minute": 4, "second": 36}
